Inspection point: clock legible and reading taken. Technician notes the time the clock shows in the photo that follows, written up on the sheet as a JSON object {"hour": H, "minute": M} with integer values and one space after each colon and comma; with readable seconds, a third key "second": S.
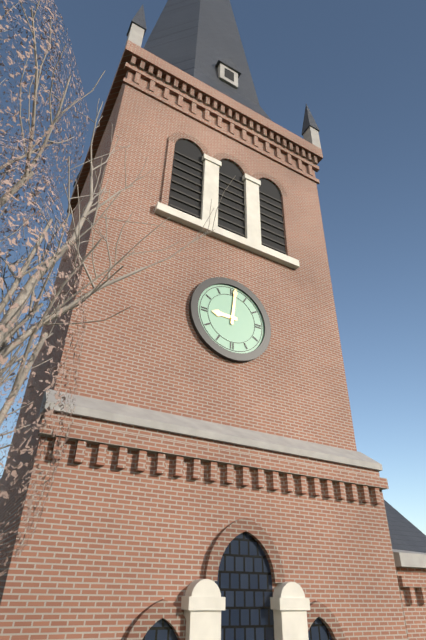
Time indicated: {"hour": 9, "minute": 1}
